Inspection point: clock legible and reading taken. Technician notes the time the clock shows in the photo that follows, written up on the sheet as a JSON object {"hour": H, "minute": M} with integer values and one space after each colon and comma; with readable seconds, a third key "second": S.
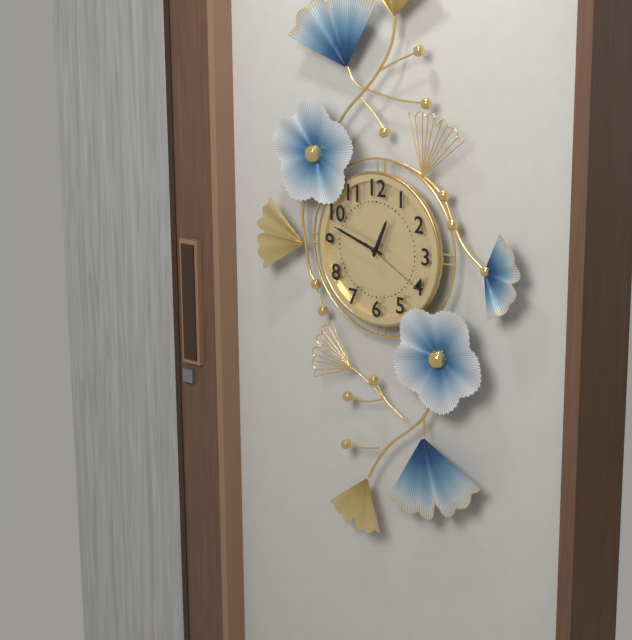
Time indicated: {"hour": 12, "minute": 48, "second": 20}
